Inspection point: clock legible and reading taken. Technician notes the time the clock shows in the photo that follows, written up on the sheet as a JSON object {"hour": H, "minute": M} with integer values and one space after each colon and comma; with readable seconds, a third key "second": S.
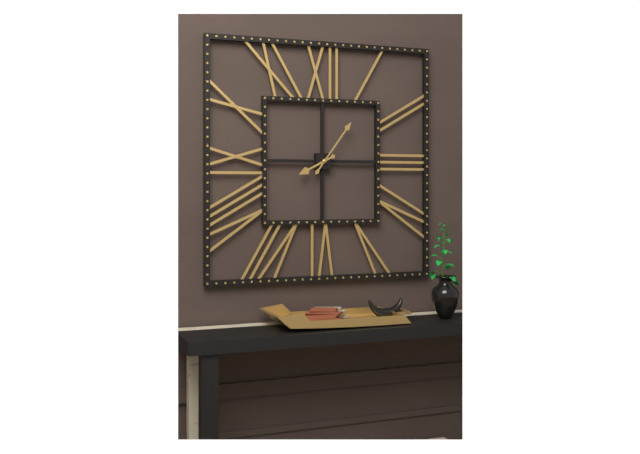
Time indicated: {"hour": 8, "minute": 6}
